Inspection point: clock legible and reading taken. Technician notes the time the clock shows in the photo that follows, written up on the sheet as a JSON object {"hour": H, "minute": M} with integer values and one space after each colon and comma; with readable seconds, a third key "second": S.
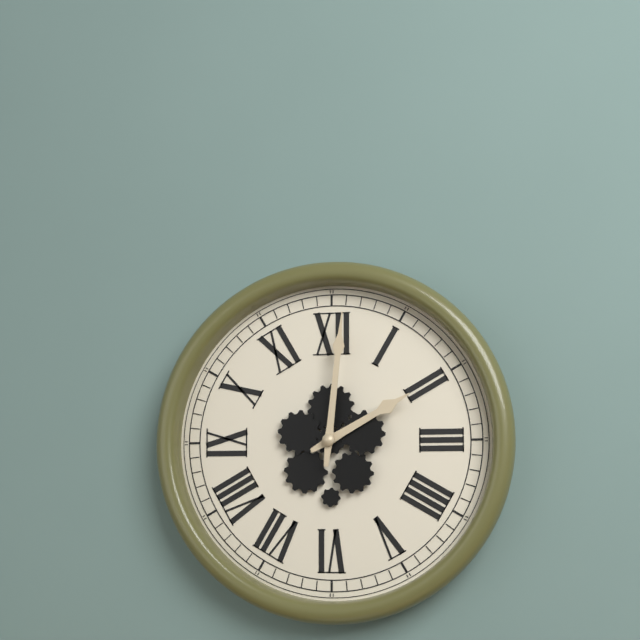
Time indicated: {"hour": 2, "minute": 1}
